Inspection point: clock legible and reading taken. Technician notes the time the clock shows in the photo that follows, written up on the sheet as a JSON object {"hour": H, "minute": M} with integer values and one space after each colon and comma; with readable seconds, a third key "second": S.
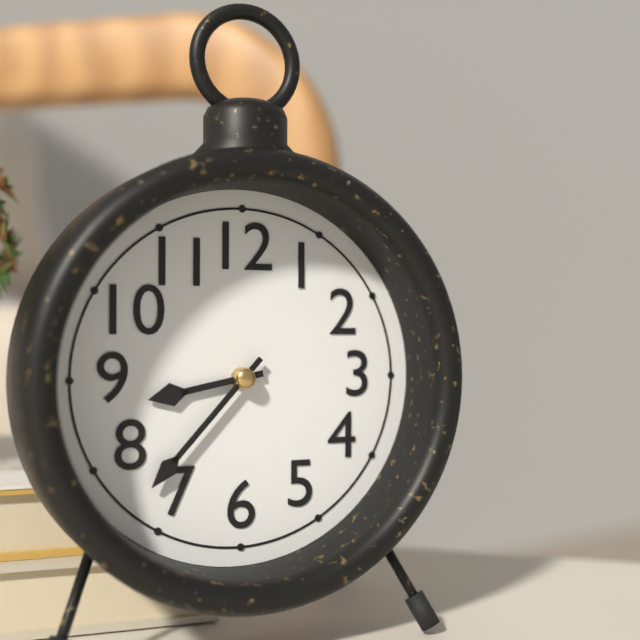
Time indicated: {"hour": 8, "minute": 37}
